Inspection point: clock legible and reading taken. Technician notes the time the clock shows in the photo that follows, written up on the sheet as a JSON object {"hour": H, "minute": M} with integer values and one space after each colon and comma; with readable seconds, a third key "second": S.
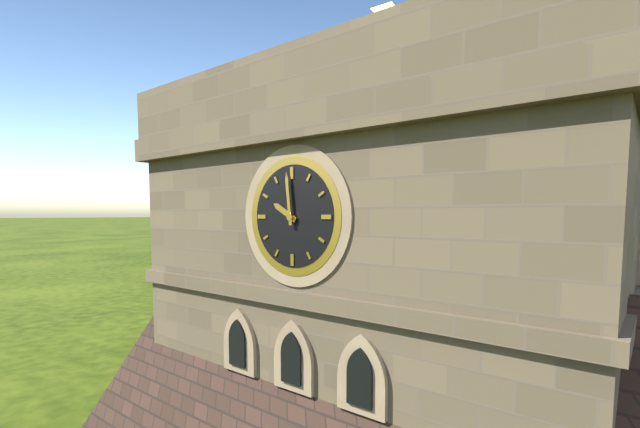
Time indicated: {"hour": 9, "minute": 59}
